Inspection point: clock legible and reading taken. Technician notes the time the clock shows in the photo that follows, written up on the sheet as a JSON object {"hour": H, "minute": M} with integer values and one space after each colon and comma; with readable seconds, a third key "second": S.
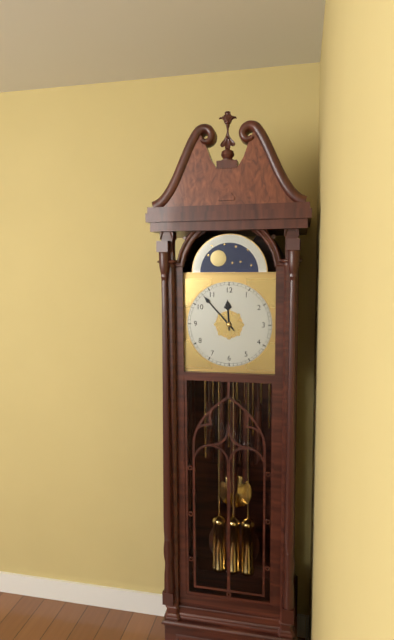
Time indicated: {"hour": 11, "minute": 53}
